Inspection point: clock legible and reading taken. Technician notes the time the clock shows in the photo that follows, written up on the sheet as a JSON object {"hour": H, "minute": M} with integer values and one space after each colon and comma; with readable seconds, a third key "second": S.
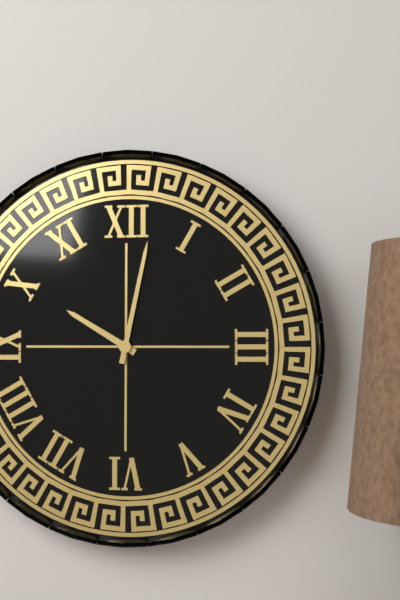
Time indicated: {"hour": 10, "minute": 2}
